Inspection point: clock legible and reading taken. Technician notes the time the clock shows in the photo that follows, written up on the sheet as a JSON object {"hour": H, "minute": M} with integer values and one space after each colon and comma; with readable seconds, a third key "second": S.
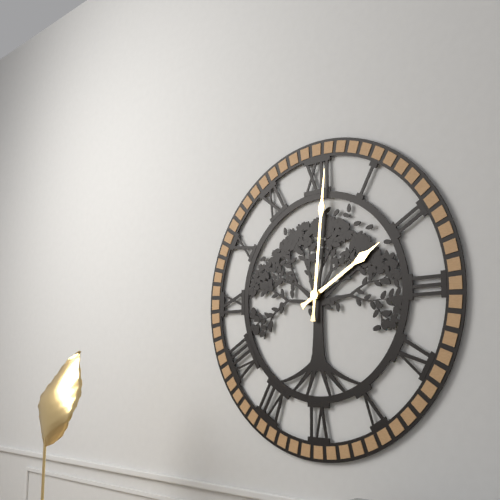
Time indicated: {"hour": 2, "minute": 1}
